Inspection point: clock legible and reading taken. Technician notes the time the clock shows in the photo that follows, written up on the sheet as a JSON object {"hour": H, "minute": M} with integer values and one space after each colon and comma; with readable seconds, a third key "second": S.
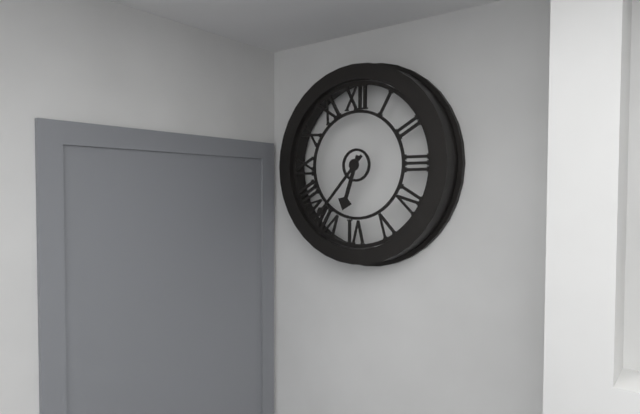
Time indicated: {"hour": 6, "minute": 37}
